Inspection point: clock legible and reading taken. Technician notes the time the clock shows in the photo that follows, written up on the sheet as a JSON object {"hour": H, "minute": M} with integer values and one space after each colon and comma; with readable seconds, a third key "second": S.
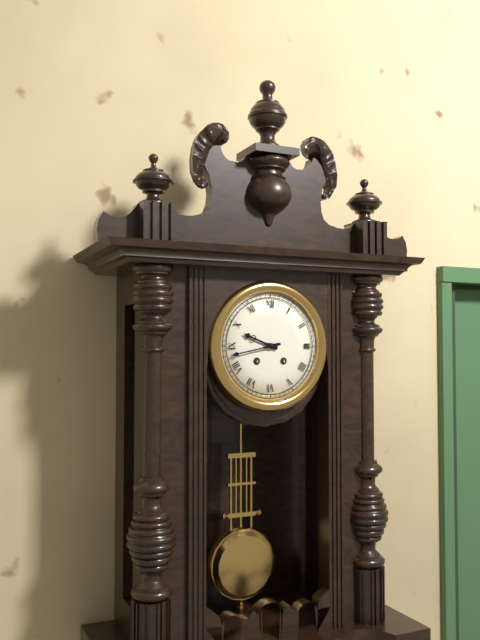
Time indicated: {"hour": 9, "minute": 43}
